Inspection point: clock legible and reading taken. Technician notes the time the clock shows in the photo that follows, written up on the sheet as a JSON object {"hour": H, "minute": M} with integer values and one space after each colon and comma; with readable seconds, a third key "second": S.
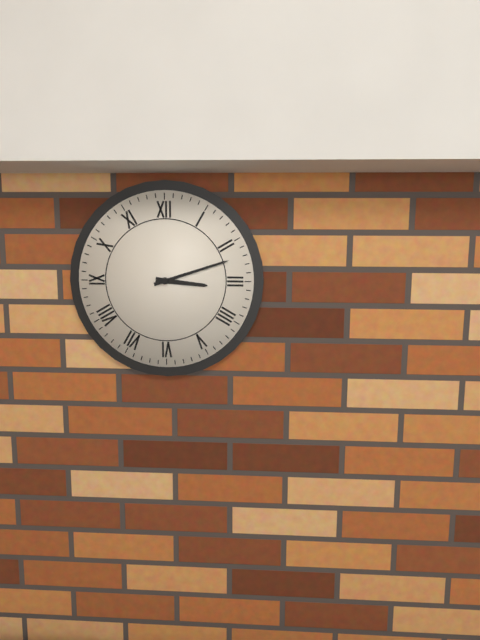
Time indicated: {"hour": 3, "minute": 12}
